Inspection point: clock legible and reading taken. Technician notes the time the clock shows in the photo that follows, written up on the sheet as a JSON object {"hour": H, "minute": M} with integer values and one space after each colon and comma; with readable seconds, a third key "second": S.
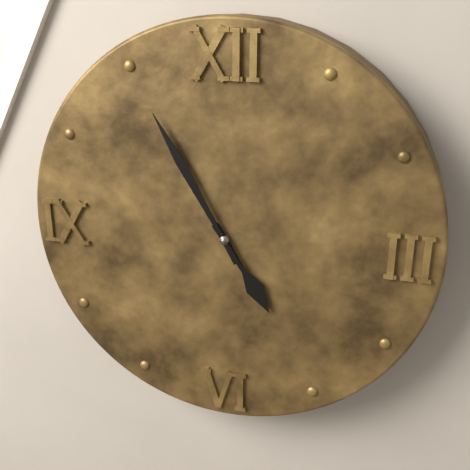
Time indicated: {"hour": 4, "minute": 55}
